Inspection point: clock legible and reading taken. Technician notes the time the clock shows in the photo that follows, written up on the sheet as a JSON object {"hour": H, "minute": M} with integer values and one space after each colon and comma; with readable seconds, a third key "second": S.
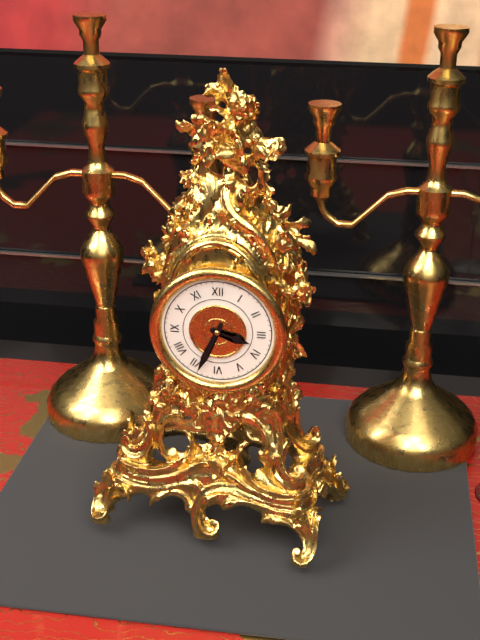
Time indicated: {"hour": 3, "minute": 34}
